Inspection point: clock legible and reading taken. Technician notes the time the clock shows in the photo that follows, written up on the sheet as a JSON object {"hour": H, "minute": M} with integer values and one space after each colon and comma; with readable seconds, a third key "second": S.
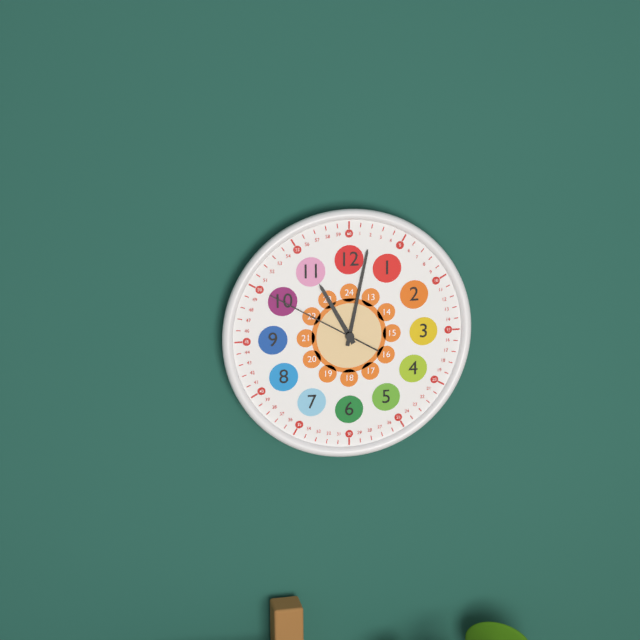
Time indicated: {"hour": 11, "minute": 2, "second": 50}
